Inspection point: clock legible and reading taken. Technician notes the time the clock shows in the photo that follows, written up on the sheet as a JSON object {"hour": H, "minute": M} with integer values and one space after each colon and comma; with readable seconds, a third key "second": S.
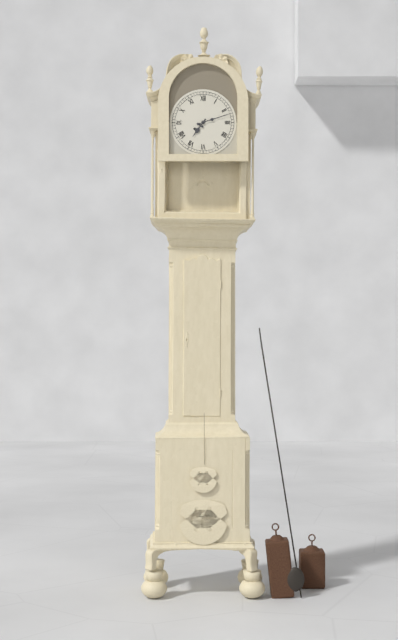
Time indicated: {"hour": 7, "minute": 12}
